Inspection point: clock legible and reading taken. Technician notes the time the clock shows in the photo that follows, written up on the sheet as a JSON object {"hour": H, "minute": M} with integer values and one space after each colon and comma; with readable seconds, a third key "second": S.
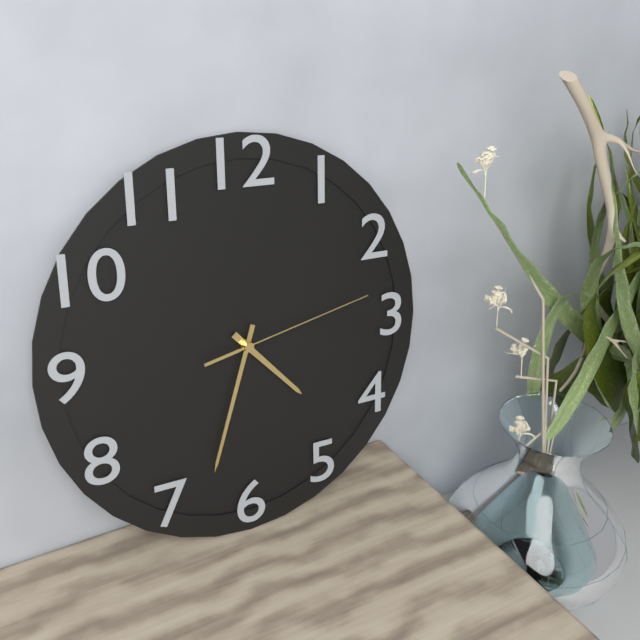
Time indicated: {"hour": 4, "minute": 33, "second": 13}
